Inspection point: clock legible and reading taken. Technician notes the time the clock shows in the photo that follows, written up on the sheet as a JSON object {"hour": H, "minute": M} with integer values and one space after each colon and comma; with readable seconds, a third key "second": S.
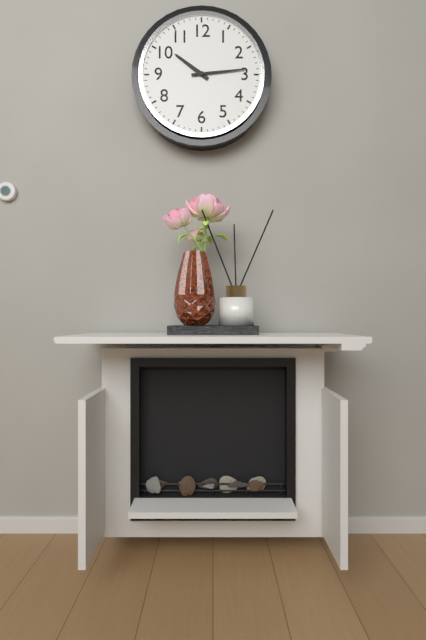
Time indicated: {"hour": 10, "minute": 14}
